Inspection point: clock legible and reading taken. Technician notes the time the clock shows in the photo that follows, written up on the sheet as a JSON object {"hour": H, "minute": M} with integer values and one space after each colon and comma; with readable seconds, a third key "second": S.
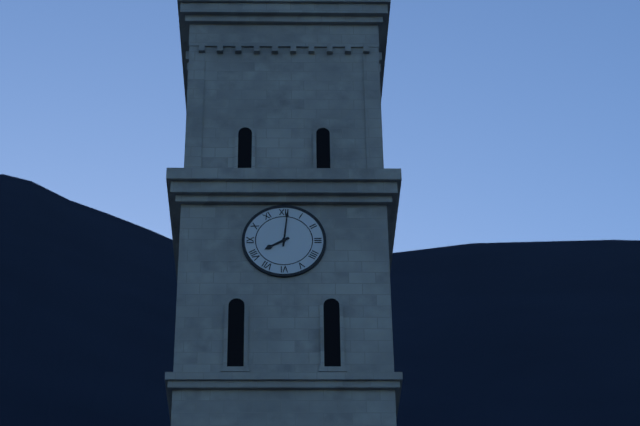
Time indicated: {"hour": 8, "minute": 1}
